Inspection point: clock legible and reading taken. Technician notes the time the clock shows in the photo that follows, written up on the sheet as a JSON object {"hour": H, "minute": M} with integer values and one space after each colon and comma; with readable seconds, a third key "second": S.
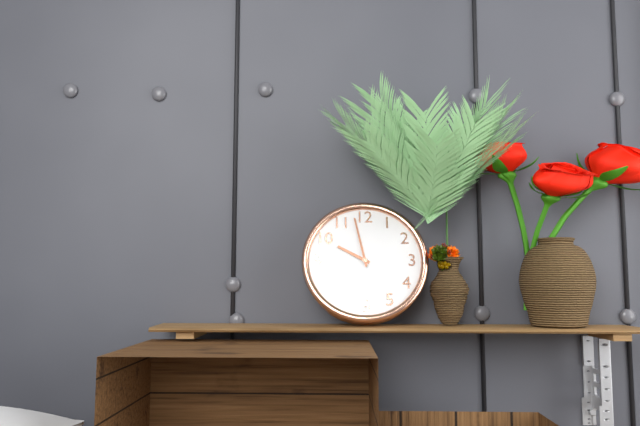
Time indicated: {"hour": 9, "minute": 58}
